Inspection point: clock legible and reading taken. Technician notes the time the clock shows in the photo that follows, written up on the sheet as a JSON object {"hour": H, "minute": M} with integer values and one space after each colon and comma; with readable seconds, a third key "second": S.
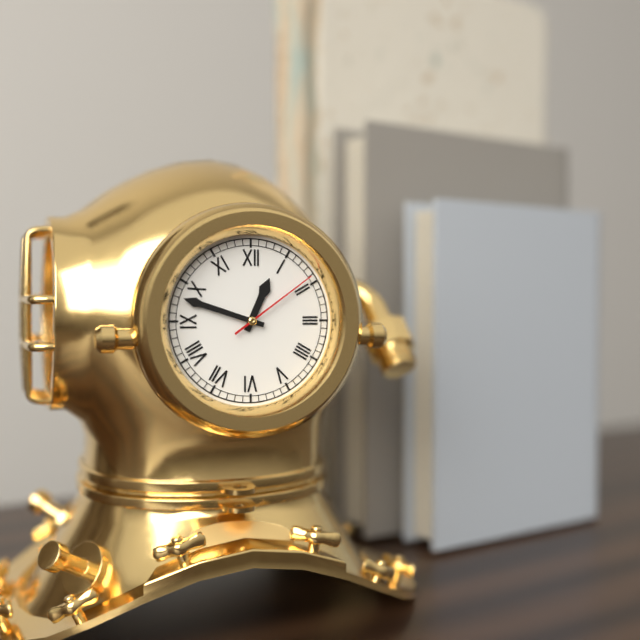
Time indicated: {"hour": 12, "minute": 48, "second": 9}
